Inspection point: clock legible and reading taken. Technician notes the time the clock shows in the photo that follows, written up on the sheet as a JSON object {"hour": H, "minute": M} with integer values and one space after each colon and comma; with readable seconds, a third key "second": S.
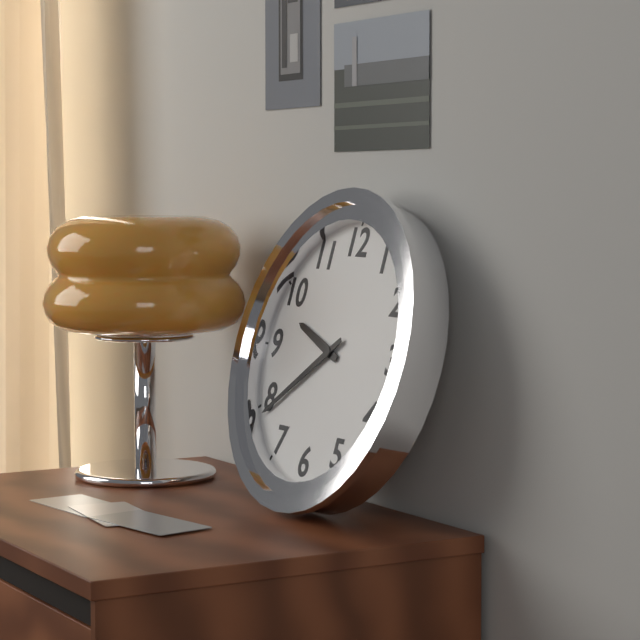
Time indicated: {"hour": 9, "minute": 39}
